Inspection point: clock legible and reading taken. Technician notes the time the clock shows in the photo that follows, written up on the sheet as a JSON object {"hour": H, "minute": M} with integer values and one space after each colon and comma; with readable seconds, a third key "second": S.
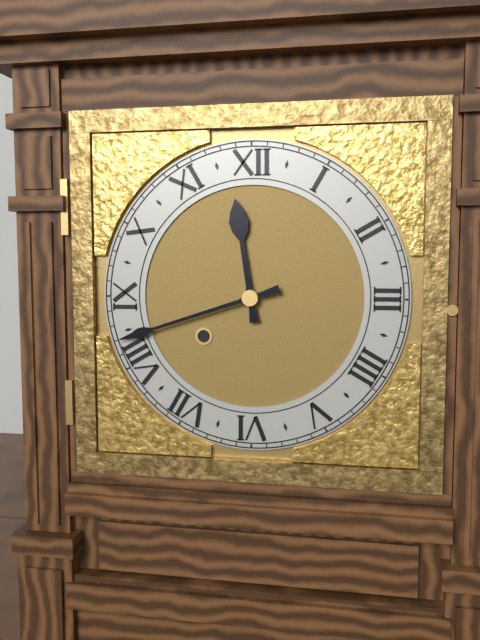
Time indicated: {"hour": 11, "minute": 42}
